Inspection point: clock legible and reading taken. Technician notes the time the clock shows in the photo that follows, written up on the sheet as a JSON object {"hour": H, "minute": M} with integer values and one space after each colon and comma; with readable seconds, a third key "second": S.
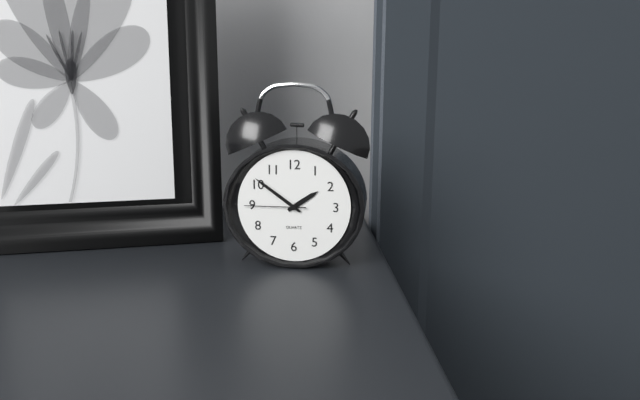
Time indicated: {"hour": 1, "minute": 51, "second": 45}
